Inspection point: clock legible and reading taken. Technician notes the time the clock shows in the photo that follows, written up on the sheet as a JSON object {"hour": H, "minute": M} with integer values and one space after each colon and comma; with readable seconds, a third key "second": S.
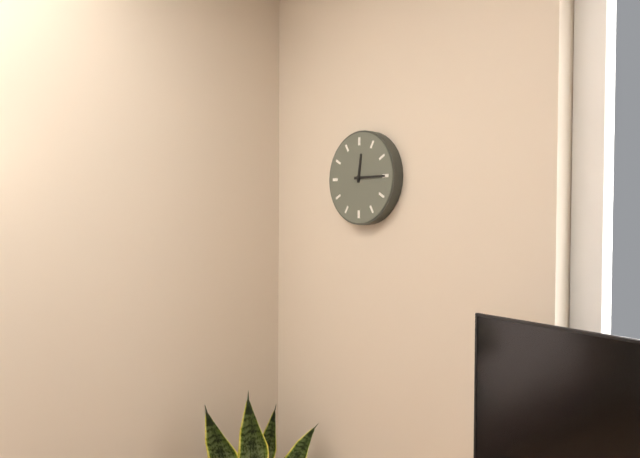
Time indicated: {"hour": 12, "minute": 15}
